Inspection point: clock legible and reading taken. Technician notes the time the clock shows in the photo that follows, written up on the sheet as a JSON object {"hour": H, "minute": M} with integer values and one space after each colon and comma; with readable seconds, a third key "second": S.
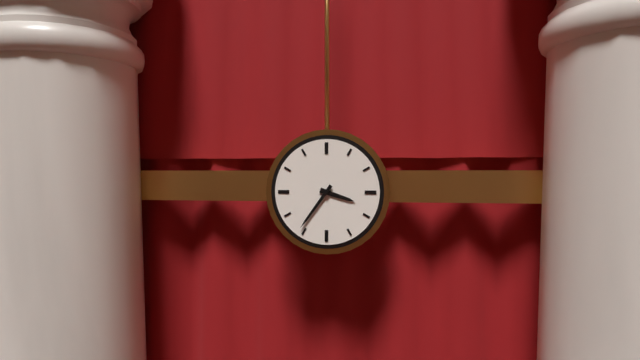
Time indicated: {"hour": 3, "minute": 36}
